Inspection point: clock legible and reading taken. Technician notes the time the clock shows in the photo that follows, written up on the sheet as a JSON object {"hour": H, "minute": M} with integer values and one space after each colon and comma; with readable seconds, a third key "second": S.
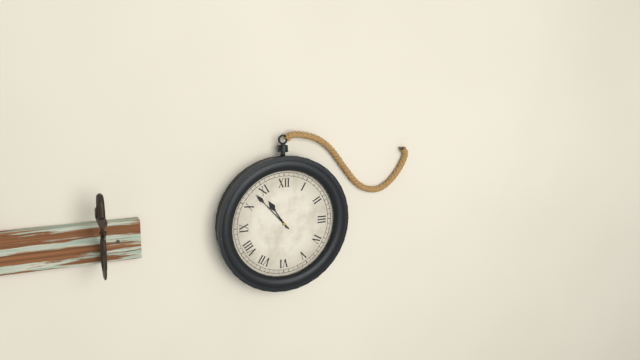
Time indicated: {"hour": 10, "minute": 53}
